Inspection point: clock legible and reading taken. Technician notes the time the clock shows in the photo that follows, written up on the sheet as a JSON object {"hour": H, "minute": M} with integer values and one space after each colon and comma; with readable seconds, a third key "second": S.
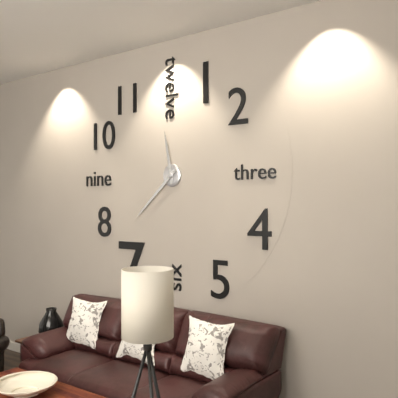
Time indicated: {"hour": 11, "minute": 38}
